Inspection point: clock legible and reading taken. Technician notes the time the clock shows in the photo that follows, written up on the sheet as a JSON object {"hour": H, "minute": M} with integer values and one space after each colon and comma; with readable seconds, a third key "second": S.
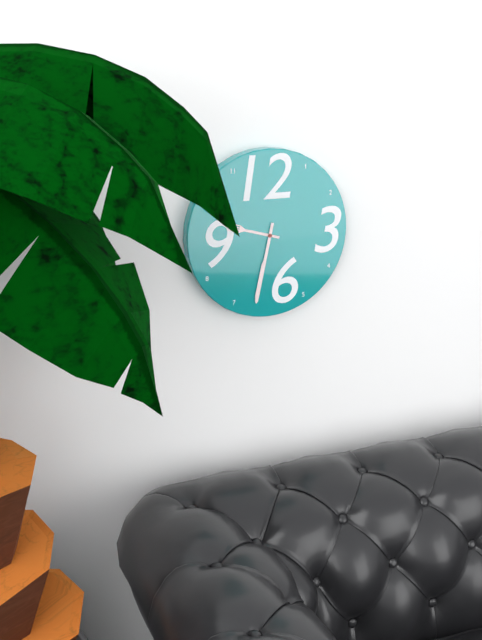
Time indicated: {"hour": 9, "minute": 32}
